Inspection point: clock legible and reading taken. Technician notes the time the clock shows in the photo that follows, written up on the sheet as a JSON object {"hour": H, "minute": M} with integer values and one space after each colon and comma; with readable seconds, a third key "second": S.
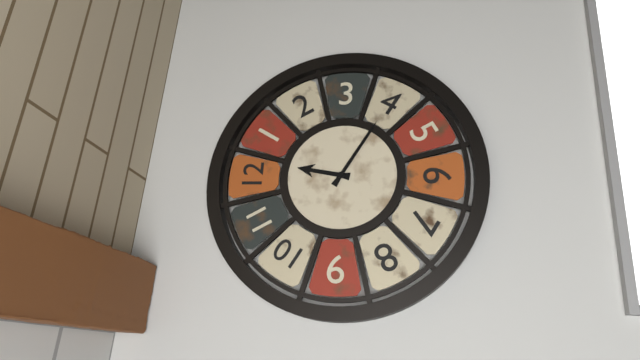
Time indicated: {"hour": 12, "minute": 20}
